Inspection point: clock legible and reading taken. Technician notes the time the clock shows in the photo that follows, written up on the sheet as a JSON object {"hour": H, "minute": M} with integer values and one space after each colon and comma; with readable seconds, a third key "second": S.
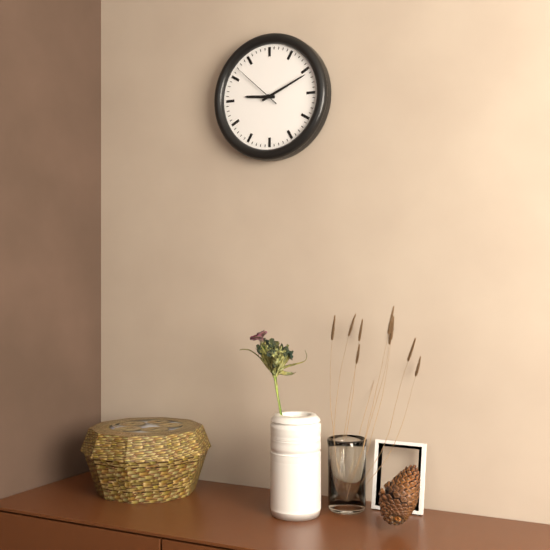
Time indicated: {"hour": 9, "minute": 11, "second": 52}
